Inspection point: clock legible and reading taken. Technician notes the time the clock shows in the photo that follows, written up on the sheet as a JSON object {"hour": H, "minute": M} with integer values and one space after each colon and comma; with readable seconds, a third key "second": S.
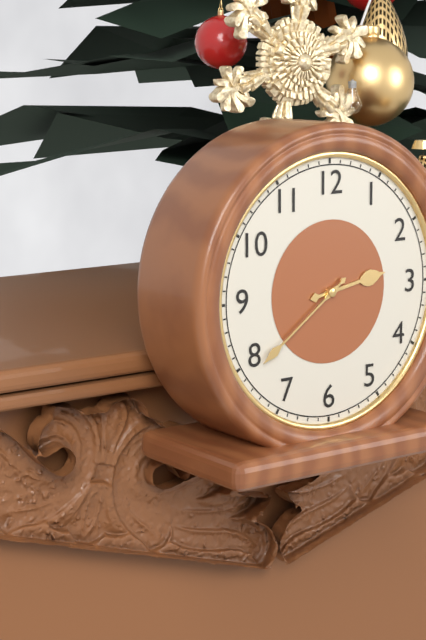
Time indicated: {"hour": 2, "minute": 39}
